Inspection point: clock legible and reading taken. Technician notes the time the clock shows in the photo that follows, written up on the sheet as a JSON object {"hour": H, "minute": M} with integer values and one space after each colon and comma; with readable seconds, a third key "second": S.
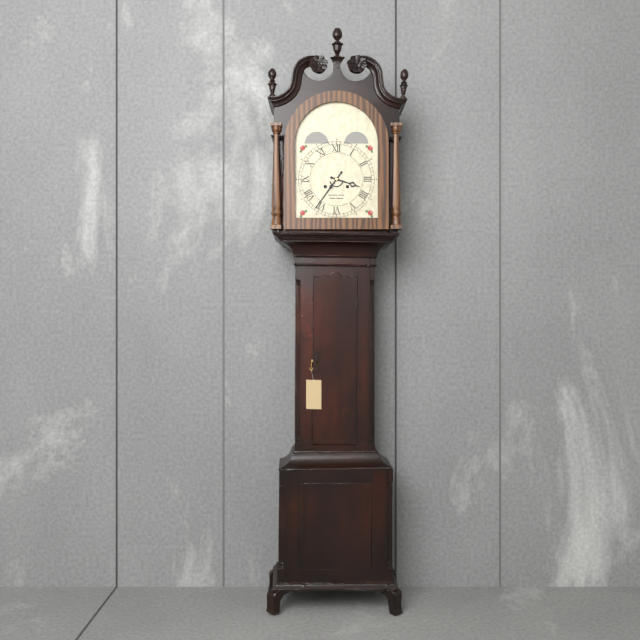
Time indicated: {"hour": 3, "minute": 36}
